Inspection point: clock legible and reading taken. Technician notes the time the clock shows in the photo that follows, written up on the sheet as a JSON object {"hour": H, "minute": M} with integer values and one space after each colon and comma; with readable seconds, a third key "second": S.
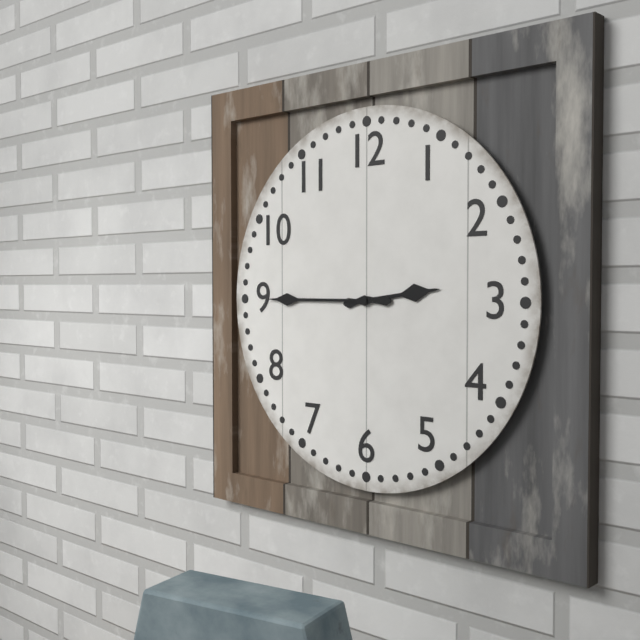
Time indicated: {"hour": 2, "minute": 45}
